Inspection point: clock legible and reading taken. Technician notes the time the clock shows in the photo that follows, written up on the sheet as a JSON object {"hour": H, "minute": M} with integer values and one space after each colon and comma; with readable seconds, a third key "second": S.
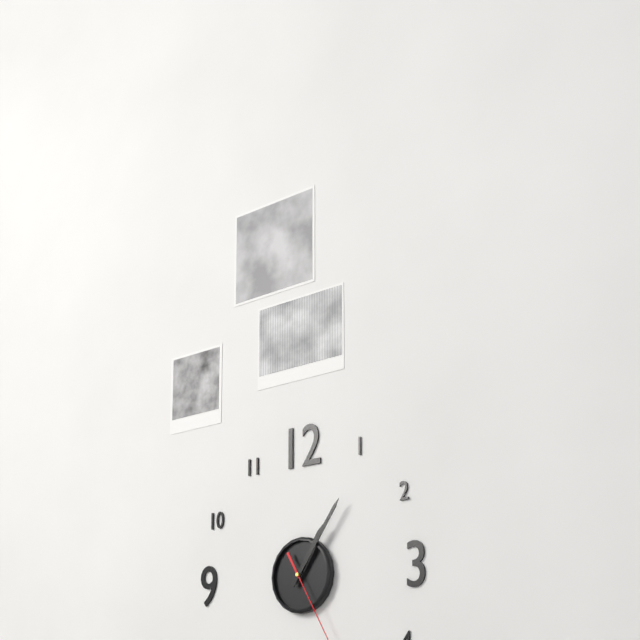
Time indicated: {"hour": 1, "minute": 6}
